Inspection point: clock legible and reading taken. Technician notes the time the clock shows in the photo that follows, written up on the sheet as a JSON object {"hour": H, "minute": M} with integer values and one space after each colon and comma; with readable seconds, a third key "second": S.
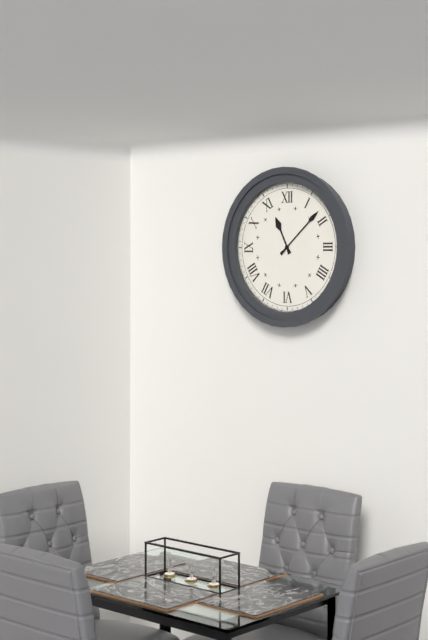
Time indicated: {"hour": 11, "minute": 8}
